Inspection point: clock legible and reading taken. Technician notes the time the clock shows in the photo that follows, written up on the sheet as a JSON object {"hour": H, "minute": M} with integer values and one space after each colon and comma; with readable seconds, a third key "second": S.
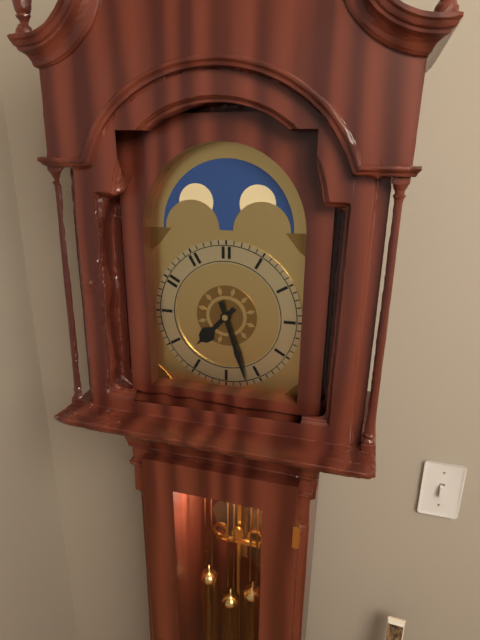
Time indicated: {"hour": 7, "minute": 27}
